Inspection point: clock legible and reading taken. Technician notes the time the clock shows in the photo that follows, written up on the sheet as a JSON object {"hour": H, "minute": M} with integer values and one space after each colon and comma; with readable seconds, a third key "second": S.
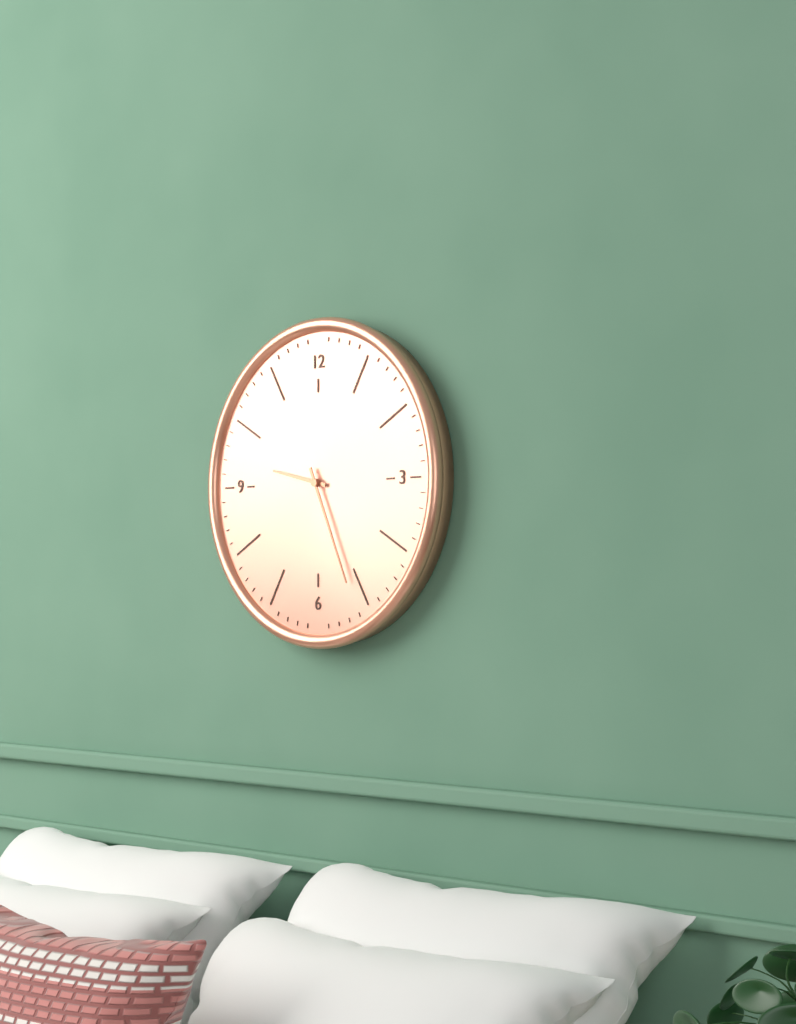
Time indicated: {"hour": 9, "minute": 26}
